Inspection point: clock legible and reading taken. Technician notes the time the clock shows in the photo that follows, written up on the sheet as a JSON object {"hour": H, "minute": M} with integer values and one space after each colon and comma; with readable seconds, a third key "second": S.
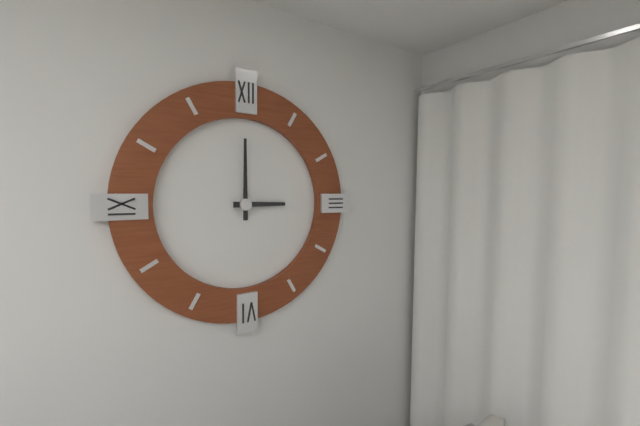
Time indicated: {"hour": 3, "minute": 0}
